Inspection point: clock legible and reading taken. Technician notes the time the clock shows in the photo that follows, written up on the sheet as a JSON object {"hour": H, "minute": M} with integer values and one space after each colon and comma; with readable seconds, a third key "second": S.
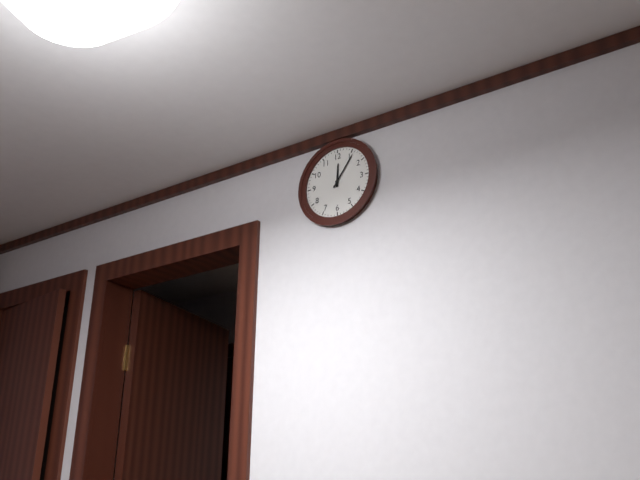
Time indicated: {"hour": 12, "minute": 6}
